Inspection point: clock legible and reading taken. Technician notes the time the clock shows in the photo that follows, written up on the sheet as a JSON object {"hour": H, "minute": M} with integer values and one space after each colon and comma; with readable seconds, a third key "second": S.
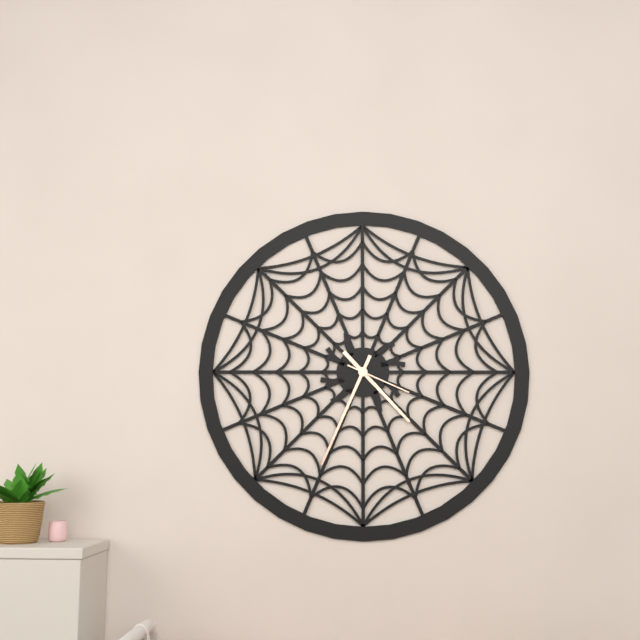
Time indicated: {"hour": 4, "minute": 34, "second": 19}
